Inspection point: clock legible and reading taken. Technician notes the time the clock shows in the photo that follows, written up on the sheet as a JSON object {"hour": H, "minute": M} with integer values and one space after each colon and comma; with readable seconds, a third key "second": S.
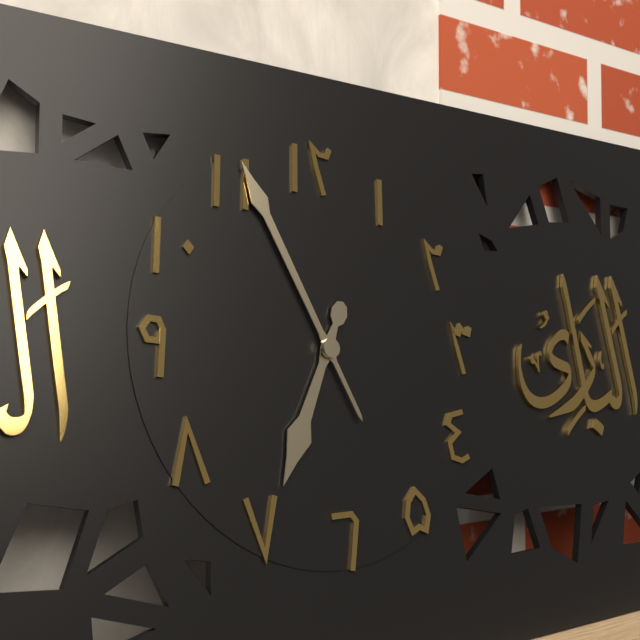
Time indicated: {"hour": 6, "minute": 56}
